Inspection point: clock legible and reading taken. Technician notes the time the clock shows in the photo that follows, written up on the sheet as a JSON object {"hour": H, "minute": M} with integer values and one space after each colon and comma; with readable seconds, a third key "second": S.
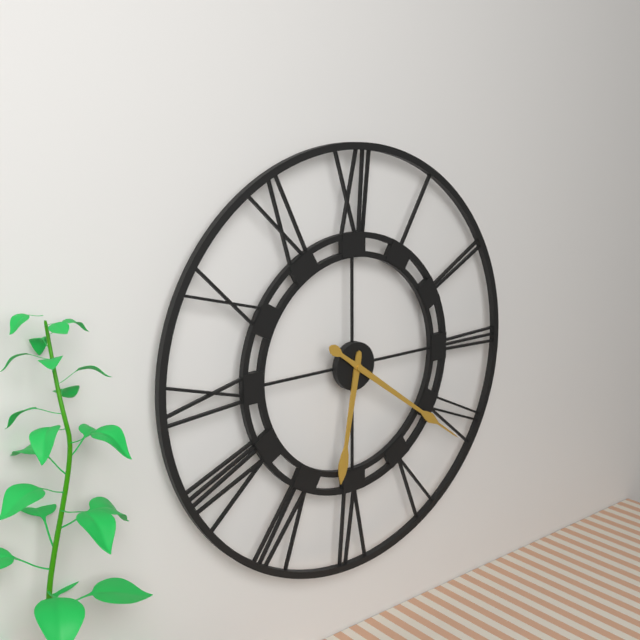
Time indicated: {"hour": 6, "minute": 21}
